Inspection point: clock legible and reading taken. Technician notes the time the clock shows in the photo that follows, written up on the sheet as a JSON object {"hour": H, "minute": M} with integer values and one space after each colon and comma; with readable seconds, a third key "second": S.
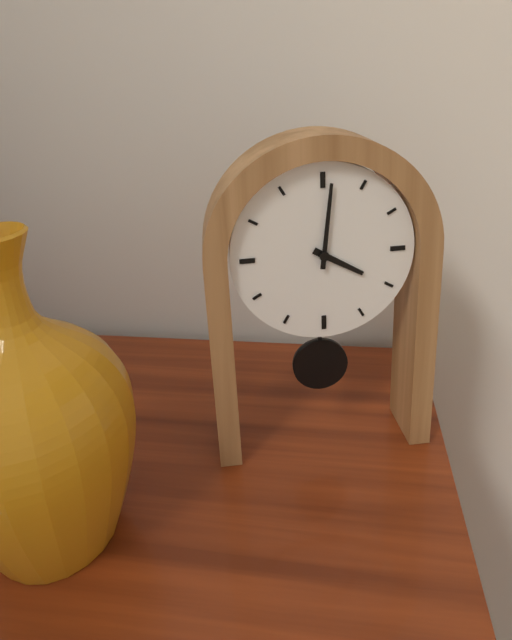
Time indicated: {"hour": 4, "minute": 1}
